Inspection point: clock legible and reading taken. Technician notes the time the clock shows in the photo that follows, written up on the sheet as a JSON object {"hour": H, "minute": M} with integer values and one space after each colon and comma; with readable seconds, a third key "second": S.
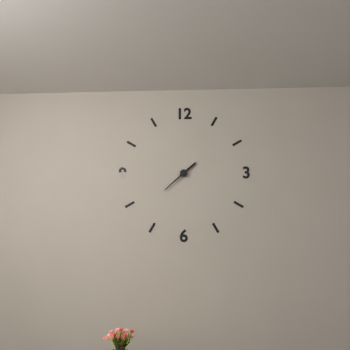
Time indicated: {"hour": 1, "minute": 38}
